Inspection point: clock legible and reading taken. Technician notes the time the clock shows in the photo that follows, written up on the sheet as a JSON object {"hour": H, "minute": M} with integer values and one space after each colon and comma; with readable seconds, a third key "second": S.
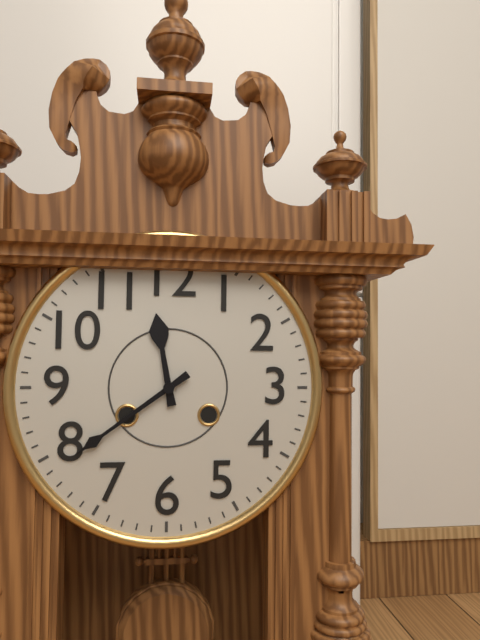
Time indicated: {"hour": 11, "minute": 39}
